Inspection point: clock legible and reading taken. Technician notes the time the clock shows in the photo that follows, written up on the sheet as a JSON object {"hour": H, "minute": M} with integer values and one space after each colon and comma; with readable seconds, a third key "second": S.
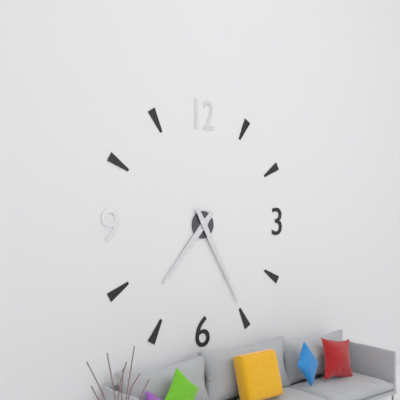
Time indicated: {"hour": 7, "minute": 25}
